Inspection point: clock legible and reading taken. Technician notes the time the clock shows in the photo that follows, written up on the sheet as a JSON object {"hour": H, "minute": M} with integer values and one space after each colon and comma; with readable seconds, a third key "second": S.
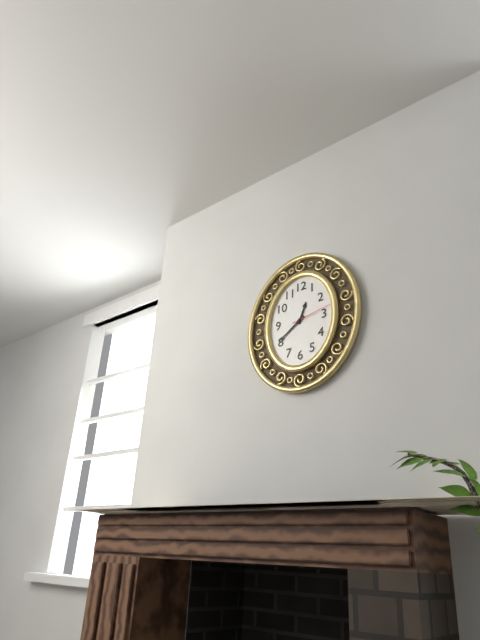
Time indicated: {"hour": 12, "minute": 39}
